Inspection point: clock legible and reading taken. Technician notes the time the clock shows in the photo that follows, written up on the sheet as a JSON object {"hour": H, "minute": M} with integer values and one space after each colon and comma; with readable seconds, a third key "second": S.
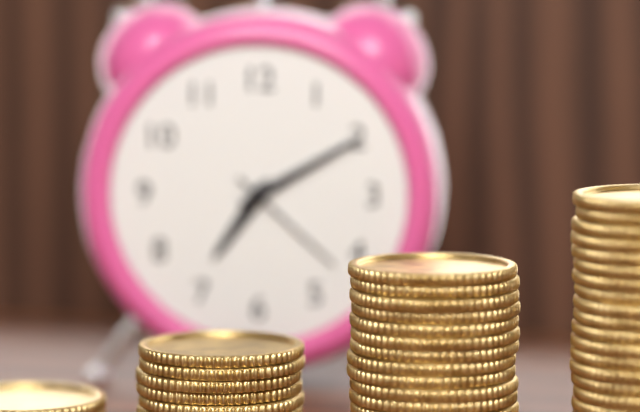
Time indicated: {"hour": 7, "minute": 10, "second": 22}
